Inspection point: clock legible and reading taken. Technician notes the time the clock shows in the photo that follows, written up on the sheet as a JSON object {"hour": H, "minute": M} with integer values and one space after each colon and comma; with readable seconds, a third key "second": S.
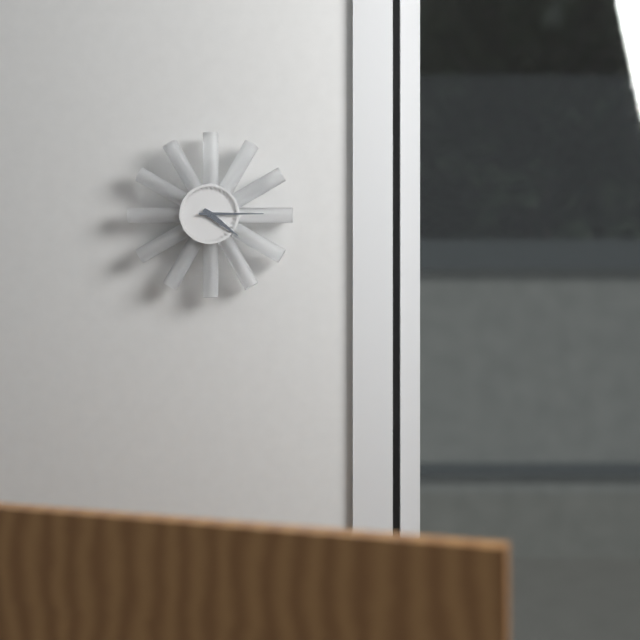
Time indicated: {"hour": 4, "minute": 15}
